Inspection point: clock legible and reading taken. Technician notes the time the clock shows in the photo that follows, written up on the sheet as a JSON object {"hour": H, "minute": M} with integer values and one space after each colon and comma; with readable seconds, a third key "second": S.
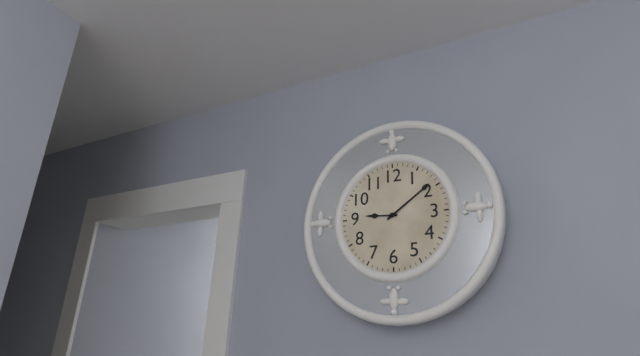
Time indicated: {"hour": 9, "minute": 9}
